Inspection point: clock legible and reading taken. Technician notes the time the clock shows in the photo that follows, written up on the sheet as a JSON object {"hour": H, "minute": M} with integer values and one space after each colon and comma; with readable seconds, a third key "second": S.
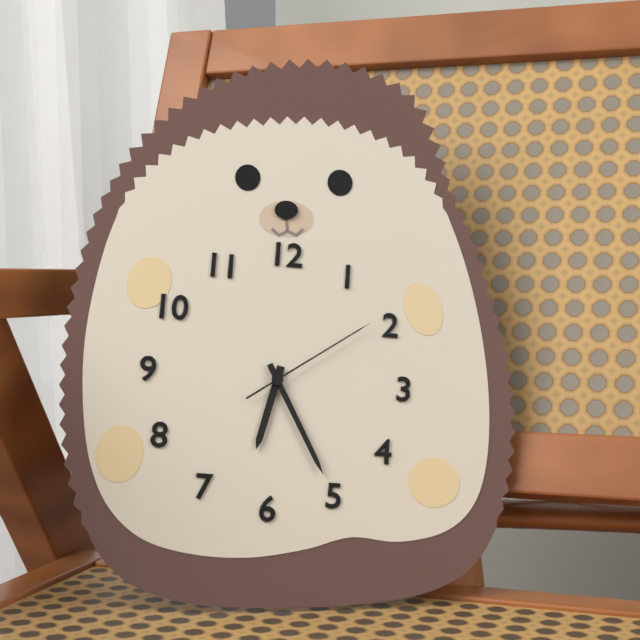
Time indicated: {"hour": 6, "minute": 25, "second": 9}
